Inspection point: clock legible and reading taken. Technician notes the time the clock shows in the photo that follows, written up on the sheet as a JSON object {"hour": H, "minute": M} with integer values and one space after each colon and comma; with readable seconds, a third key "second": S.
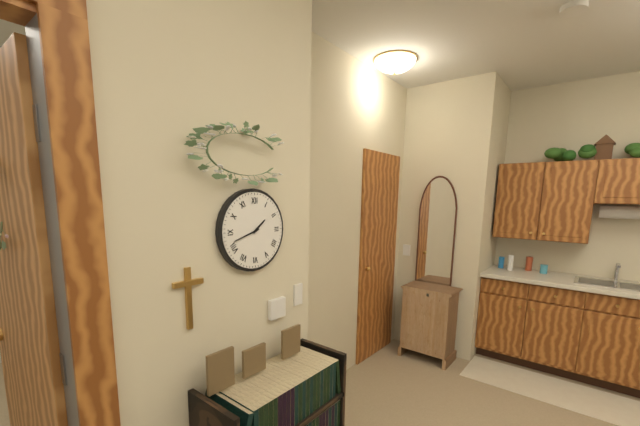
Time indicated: {"hour": 1, "minute": 42}
